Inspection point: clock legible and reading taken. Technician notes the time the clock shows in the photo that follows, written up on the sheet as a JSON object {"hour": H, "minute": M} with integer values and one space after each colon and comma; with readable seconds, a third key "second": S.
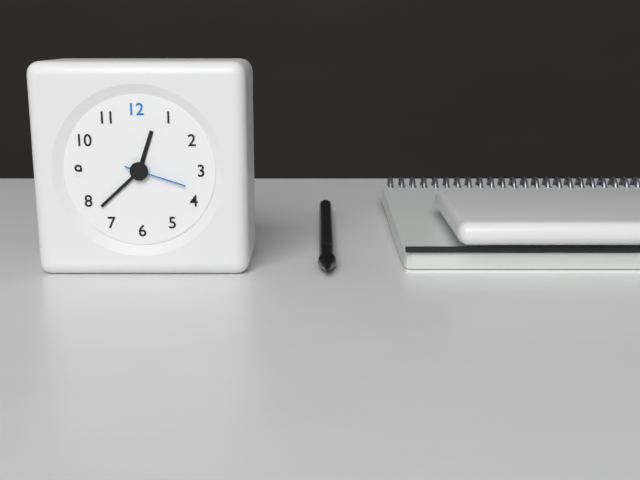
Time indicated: {"hour": 12, "minute": 38, "second": 18}
